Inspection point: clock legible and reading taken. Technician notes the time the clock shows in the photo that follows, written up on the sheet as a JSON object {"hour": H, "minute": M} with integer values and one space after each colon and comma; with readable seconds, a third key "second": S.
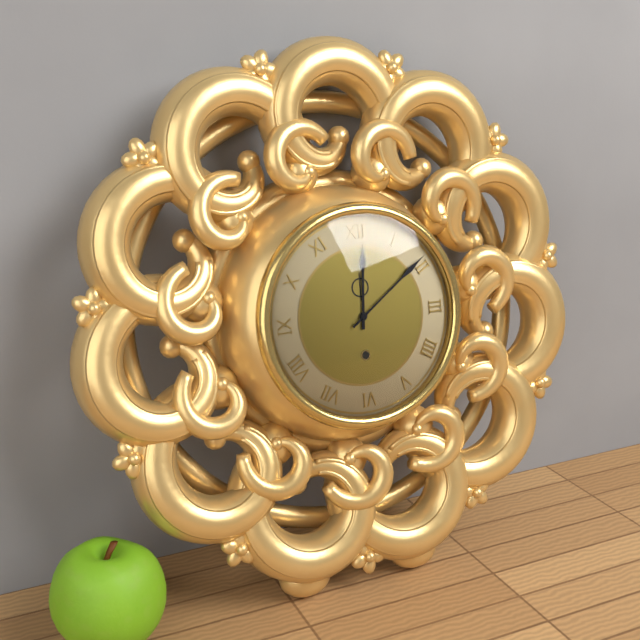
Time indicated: {"hour": 12, "minute": 9}
